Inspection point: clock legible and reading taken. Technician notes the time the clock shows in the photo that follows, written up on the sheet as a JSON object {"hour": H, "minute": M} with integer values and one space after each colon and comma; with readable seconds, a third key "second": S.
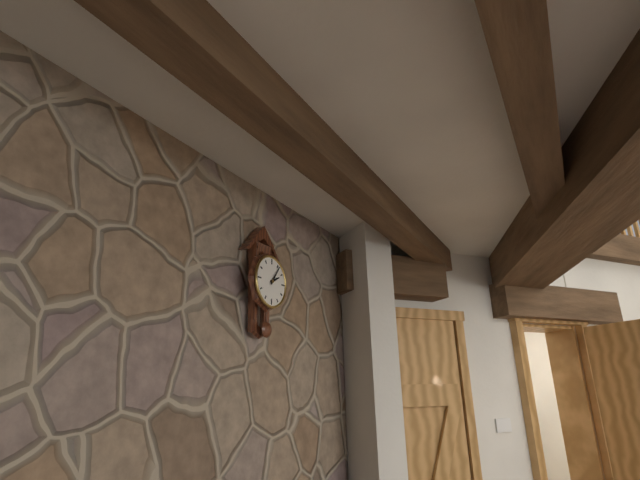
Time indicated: {"hour": 2, "minute": 6}
